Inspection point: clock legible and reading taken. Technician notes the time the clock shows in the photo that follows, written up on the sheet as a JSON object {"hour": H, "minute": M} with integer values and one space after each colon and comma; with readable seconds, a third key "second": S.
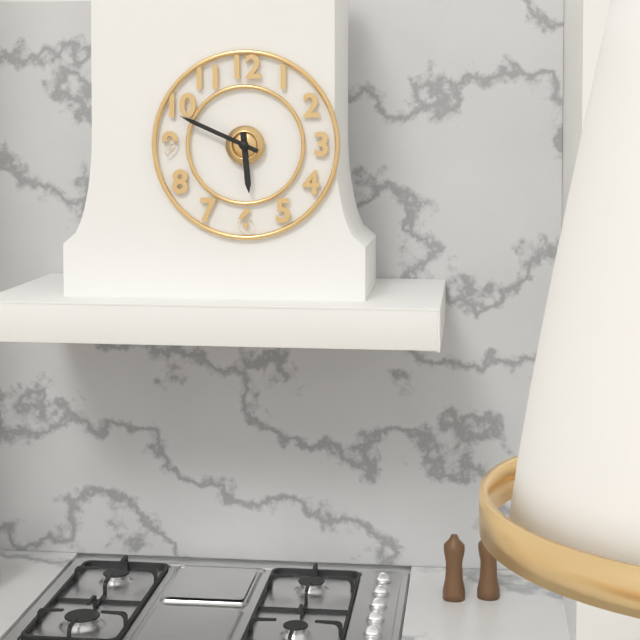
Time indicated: {"hour": 5, "minute": 49}
